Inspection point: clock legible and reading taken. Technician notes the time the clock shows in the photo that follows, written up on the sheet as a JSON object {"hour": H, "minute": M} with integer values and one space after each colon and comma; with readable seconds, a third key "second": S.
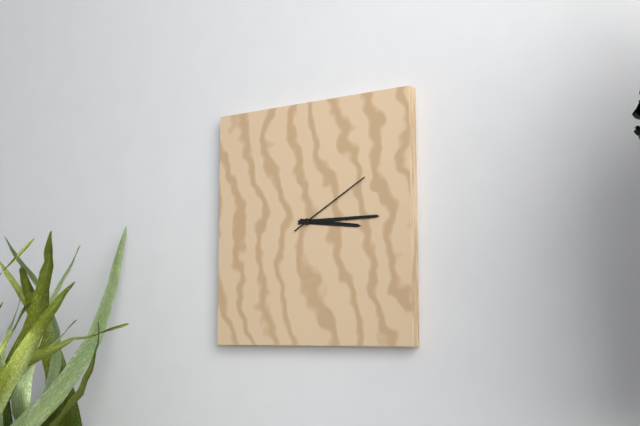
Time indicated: {"hour": 3, "minute": 15, "second": 10}
